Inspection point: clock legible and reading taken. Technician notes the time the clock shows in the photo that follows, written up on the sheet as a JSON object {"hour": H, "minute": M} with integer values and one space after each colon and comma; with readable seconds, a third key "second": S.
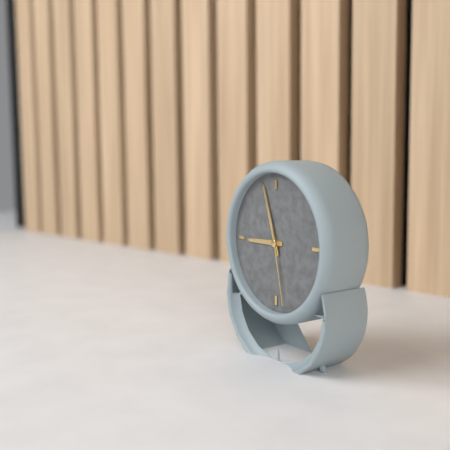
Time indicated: {"hour": 8, "minute": 57, "second": 28}
